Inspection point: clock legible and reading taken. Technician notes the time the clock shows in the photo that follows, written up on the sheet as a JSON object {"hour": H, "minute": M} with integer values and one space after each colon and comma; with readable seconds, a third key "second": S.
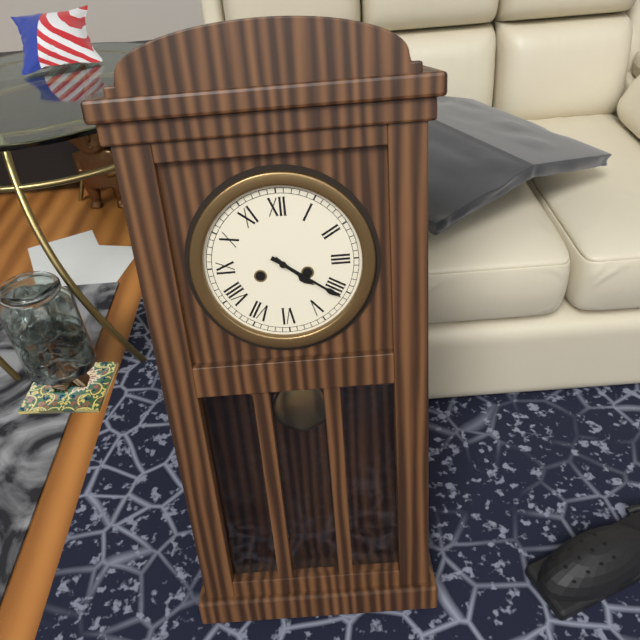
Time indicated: {"hour": 4, "minute": 21}
